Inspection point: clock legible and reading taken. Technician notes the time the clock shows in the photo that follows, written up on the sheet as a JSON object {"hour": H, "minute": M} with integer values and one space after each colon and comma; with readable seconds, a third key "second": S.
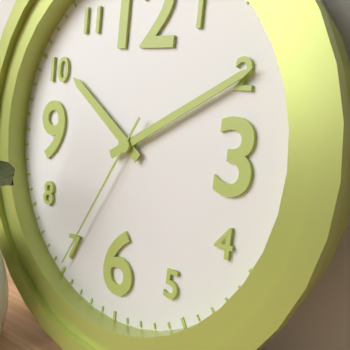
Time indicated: {"hour": 10, "minute": 10, "second": 35}
